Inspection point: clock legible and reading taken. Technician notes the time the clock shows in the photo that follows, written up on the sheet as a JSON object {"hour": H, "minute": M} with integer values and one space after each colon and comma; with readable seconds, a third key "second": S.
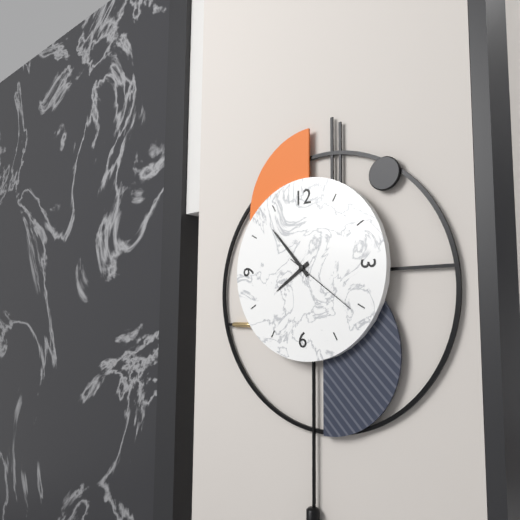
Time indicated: {"hour": 7, "minute": 53, "second": 21}
